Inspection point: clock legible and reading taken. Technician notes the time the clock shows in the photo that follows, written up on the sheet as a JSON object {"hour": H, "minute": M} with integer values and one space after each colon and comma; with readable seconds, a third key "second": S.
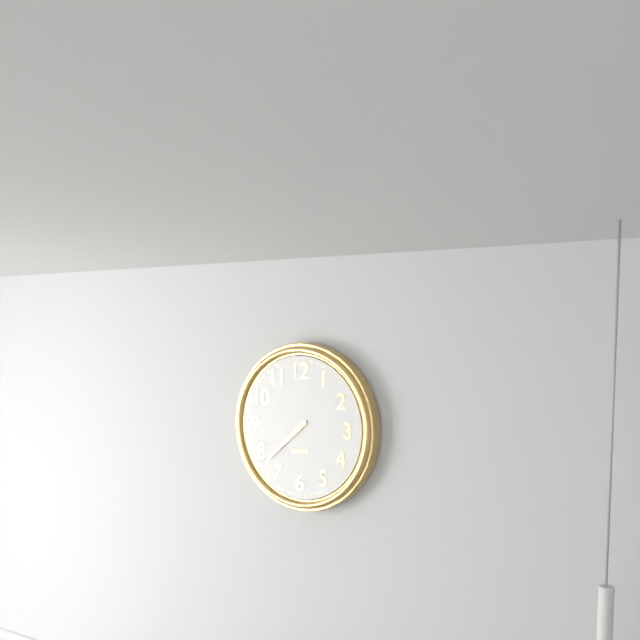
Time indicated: {"hour": 7, "minute": 38}
